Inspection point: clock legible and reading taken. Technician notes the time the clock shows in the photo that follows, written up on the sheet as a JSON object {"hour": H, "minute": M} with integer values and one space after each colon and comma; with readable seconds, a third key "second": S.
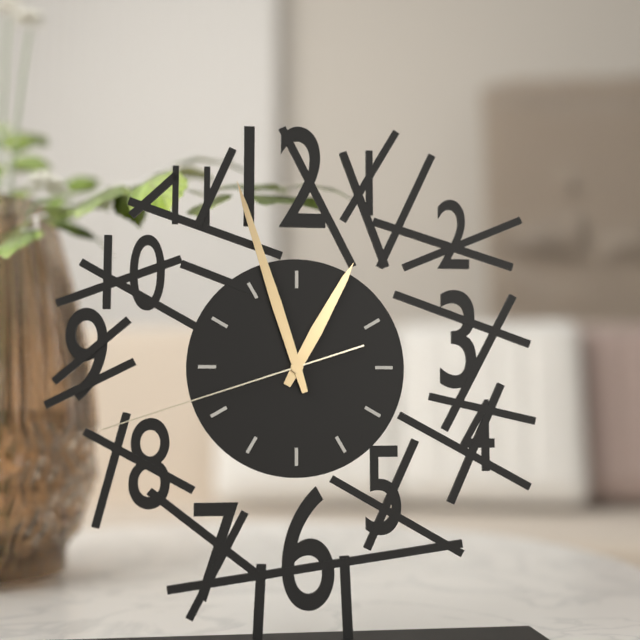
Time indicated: {"hour": 12, "minute": 57, "second": 42}
